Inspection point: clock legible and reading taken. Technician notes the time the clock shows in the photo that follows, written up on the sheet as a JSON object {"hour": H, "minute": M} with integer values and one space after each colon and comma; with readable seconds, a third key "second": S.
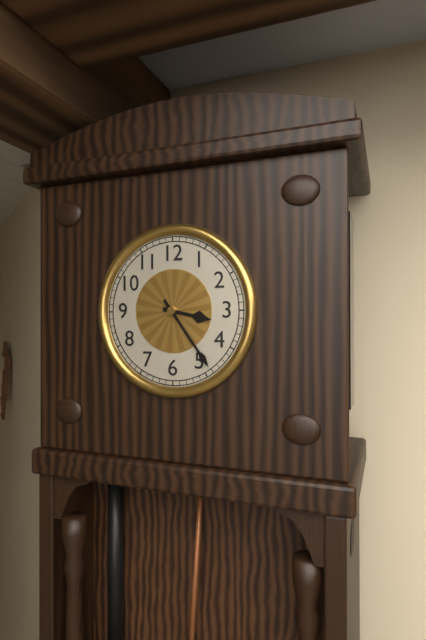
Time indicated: {"hour": 3, "minute": 24}
